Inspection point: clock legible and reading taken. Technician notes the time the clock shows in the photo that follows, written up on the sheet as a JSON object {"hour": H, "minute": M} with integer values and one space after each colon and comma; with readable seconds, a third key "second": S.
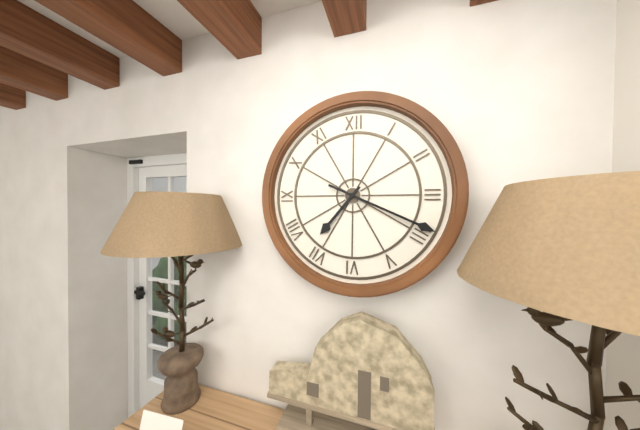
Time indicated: {"hour": 7, "minute": 19}
